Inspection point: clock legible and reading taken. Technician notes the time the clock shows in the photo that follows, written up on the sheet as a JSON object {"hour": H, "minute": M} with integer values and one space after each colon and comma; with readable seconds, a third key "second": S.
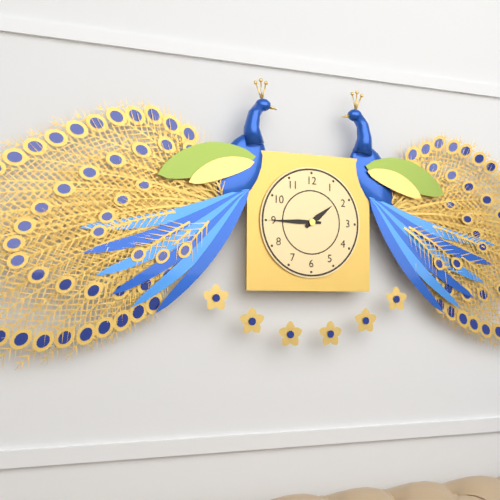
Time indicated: {"hour": 1, "minute": 45}
